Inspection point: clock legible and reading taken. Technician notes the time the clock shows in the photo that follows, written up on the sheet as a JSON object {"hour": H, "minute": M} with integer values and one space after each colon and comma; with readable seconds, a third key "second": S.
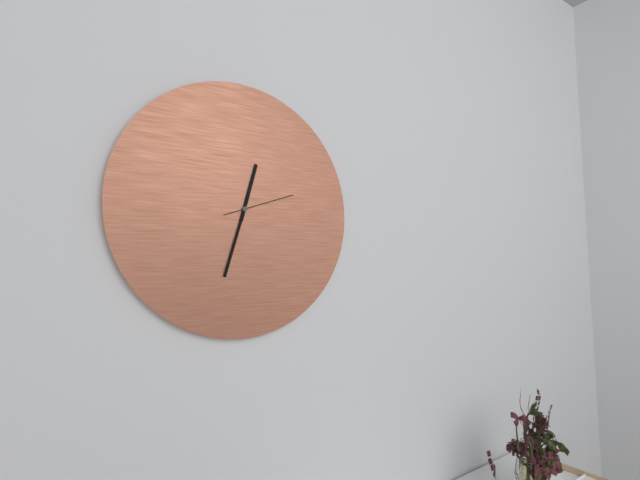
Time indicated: {"hour": 12, "minute": 33, "second": 12}
